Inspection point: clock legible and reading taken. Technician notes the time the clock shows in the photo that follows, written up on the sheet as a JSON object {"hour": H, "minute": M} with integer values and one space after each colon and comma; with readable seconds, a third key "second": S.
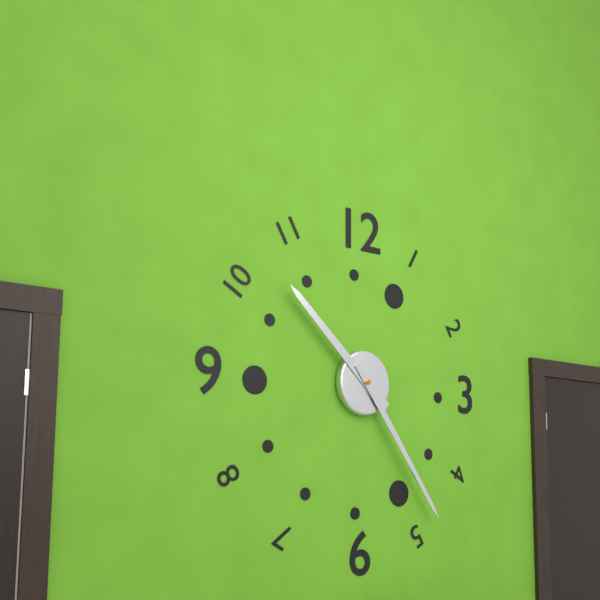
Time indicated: {"hour": 10, "minute": 24}
